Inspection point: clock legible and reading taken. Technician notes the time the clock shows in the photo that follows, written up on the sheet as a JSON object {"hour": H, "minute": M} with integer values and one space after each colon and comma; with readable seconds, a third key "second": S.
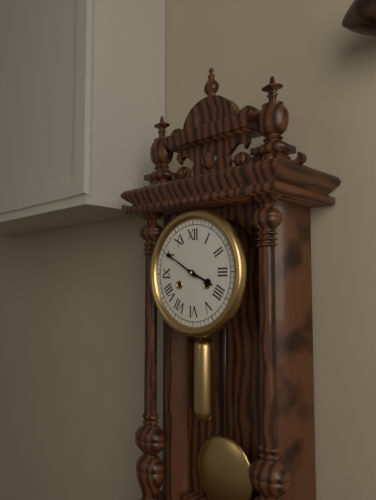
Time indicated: {"hour": 3, "minute": 50}
